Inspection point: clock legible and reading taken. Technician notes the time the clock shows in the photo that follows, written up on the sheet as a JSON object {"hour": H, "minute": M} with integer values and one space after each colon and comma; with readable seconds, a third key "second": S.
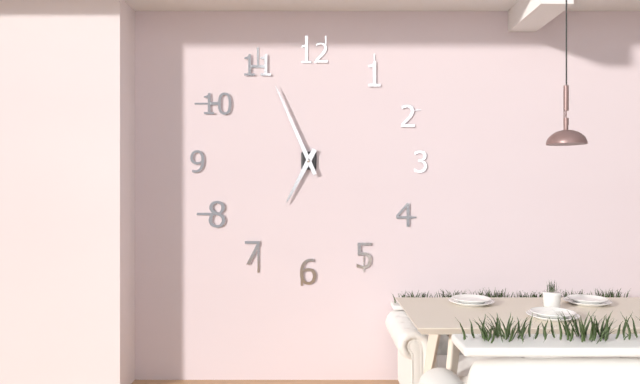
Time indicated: {"hour": 6, "minute": 56}
